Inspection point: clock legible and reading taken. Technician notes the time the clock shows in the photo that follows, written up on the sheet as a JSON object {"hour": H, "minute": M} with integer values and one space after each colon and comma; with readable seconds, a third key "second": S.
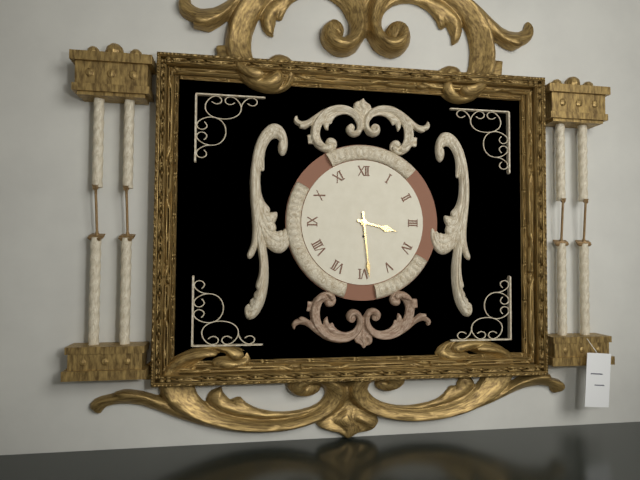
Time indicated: {"hour": 3, "minute": 29}
